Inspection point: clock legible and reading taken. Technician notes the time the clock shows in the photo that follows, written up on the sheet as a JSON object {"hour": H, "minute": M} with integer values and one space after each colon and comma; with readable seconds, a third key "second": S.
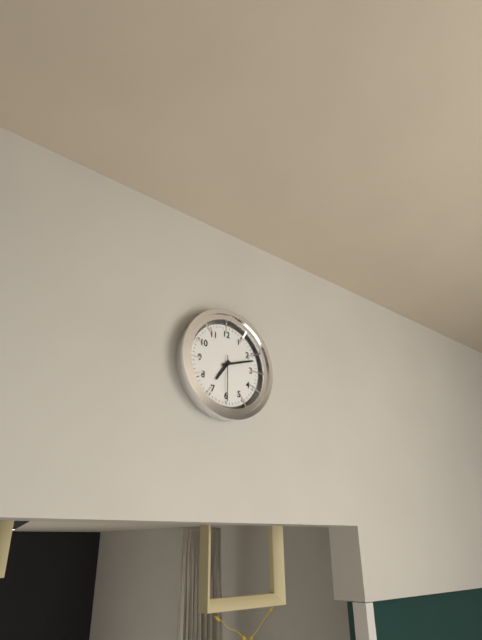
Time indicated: {"hour": 7, "minute": 12}
